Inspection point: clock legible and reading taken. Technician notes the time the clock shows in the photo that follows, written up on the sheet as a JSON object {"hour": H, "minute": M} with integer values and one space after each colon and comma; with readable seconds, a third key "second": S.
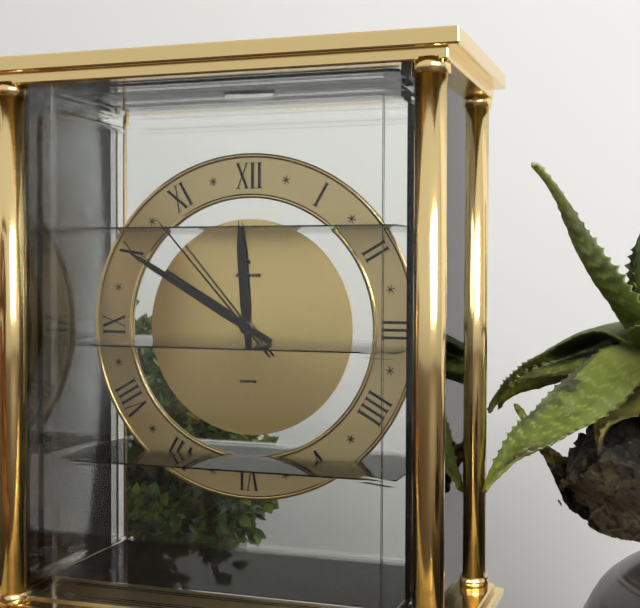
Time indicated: {"hour": 11, "minute": 50, "second": 53}
